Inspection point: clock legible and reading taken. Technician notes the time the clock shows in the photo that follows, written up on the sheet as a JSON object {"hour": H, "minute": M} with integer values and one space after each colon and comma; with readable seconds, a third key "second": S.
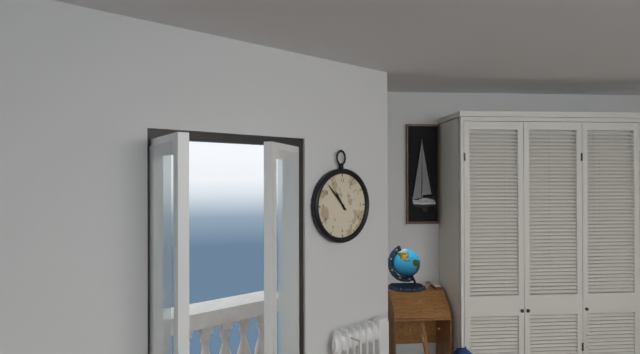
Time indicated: {"hour": 10, "minute": 53}
